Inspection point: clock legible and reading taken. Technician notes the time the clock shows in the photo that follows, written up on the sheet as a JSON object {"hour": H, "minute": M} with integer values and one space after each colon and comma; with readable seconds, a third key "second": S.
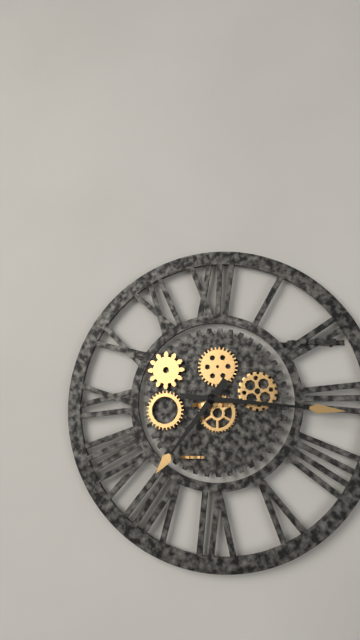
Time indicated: {"hour": 7, "minute": 16}
